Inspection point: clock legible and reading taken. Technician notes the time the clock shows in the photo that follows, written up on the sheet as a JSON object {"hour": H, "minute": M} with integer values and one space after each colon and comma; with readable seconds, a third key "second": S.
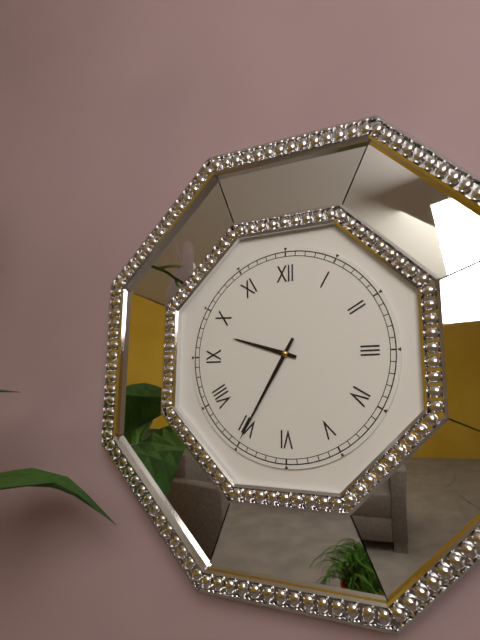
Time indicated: {"hour": 9, "minute": 35}
